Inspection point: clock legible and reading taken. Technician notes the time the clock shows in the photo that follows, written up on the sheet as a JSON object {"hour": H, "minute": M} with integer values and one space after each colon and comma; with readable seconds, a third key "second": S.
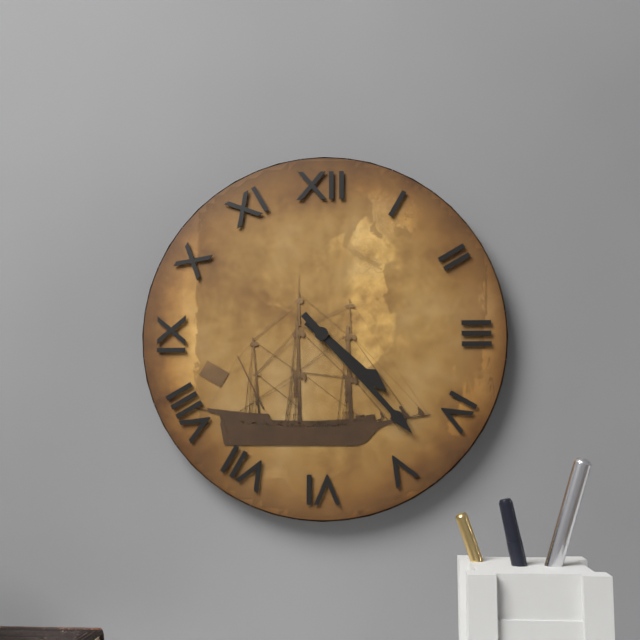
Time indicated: {"hour": 4, "minute": 23}
